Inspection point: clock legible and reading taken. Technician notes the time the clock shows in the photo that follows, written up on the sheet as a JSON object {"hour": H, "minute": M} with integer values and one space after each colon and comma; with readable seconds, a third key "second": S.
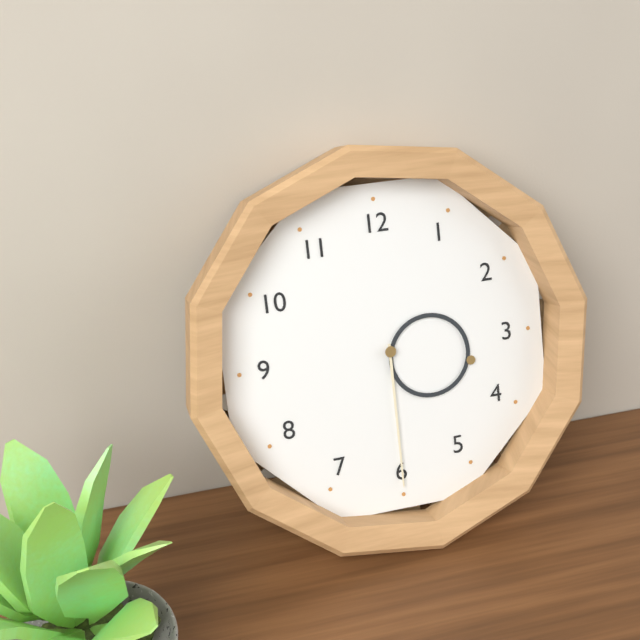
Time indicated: {"hour": 3, "minute": 30}
